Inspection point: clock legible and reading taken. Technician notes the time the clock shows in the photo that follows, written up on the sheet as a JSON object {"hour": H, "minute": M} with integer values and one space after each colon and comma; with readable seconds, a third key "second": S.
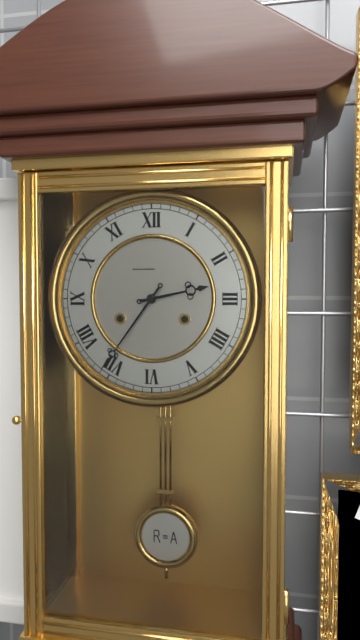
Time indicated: {"hour": 2, "minute": 36}
